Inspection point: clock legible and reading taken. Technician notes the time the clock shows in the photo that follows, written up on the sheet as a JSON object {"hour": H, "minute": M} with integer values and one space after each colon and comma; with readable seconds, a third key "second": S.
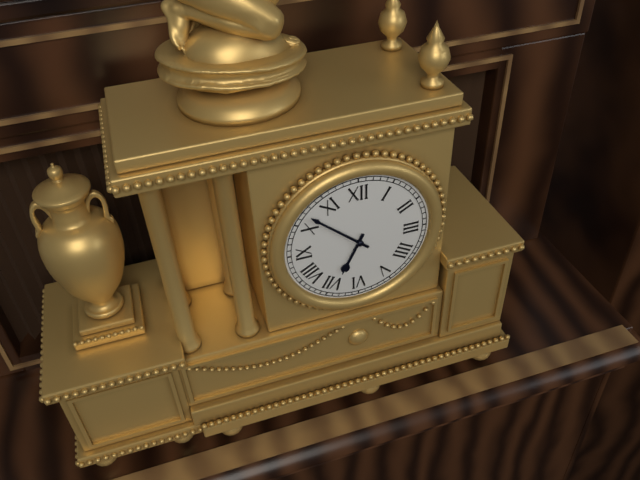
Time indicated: {"hour": 6, "minute": 52}
